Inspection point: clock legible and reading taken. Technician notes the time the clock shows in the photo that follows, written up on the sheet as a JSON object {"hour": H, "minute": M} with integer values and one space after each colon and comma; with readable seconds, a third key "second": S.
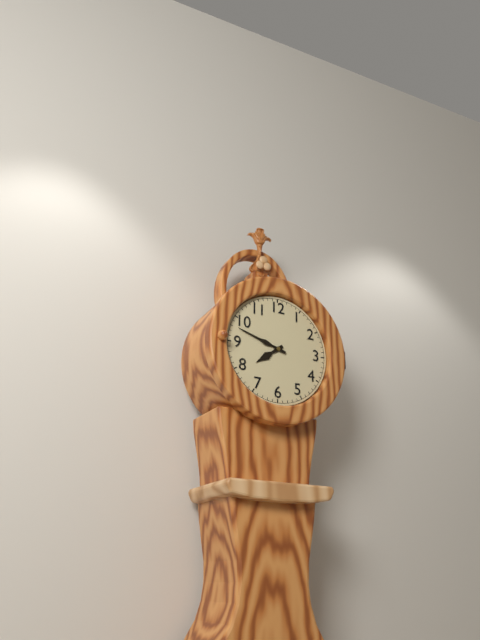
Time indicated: {"hour": 7, "minute": 48}
